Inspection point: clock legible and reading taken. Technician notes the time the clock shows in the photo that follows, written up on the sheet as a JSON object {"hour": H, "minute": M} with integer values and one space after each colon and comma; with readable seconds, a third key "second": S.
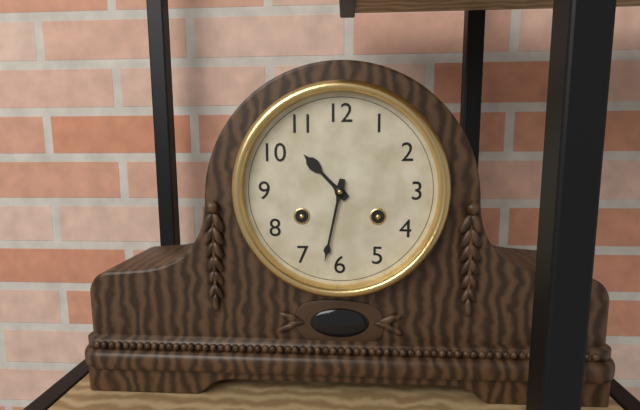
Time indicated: {"hour": 10, "minute": 32}
